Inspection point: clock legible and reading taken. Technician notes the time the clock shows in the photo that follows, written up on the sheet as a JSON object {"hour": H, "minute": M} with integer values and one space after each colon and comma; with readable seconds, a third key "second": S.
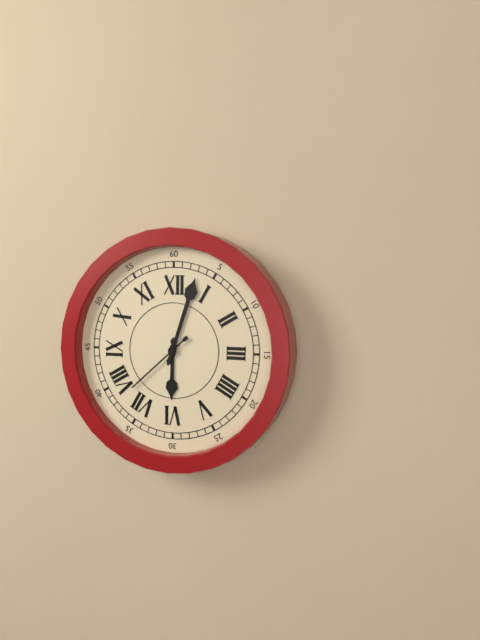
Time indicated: {"hour": 6, "minute": 3, "second": 38}
